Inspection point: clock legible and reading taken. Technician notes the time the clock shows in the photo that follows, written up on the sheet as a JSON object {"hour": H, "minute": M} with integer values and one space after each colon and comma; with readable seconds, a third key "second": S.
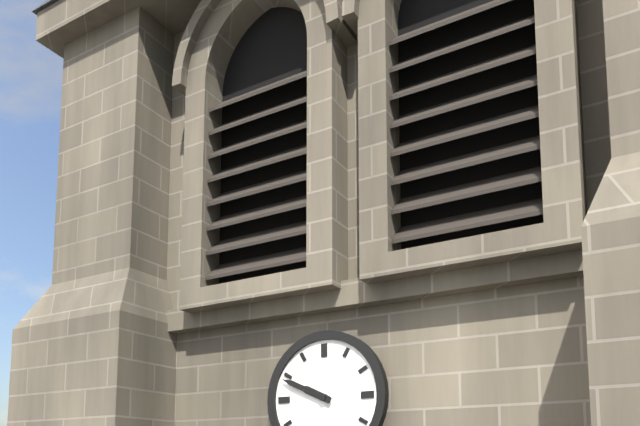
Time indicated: {"hour": 9, "minute": 49}
